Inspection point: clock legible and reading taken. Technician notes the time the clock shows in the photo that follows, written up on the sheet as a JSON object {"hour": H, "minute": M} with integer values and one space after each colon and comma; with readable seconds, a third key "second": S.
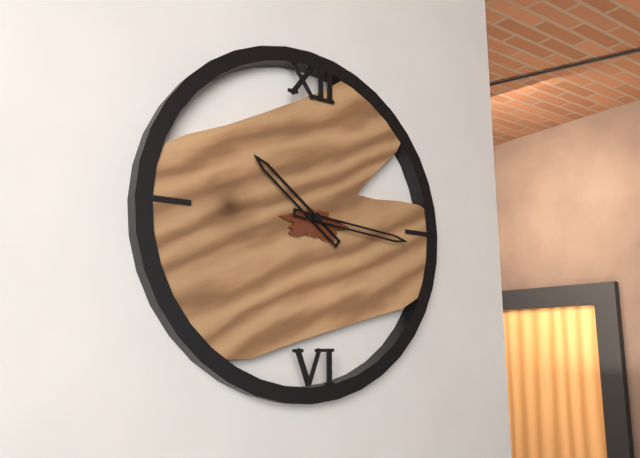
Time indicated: {"hour": 10, "minute": 16}
